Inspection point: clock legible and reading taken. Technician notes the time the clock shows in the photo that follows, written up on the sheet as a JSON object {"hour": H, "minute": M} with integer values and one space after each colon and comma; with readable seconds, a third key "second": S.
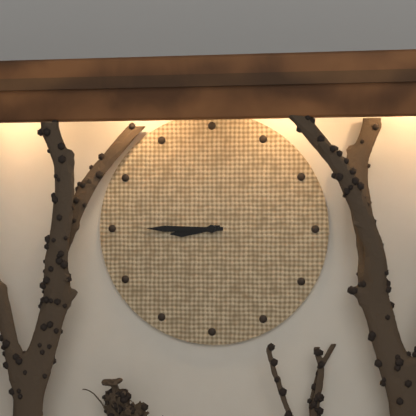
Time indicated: {"hour": 8, "minute": 45}
